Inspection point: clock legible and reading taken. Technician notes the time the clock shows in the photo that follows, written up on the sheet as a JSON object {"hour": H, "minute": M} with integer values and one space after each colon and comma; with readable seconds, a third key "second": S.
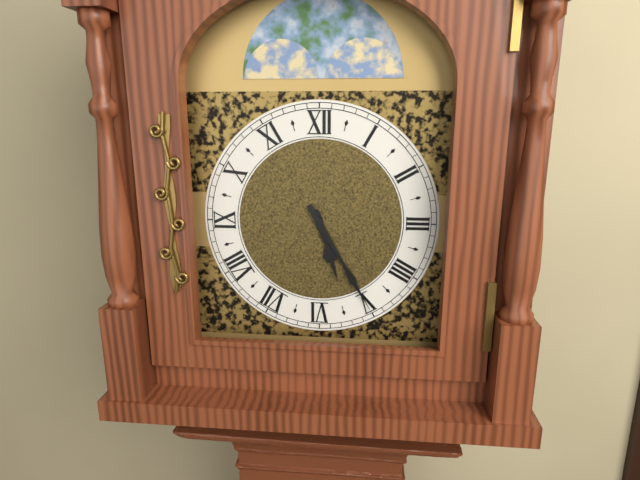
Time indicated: {"hour": 5, "minute": 25}
